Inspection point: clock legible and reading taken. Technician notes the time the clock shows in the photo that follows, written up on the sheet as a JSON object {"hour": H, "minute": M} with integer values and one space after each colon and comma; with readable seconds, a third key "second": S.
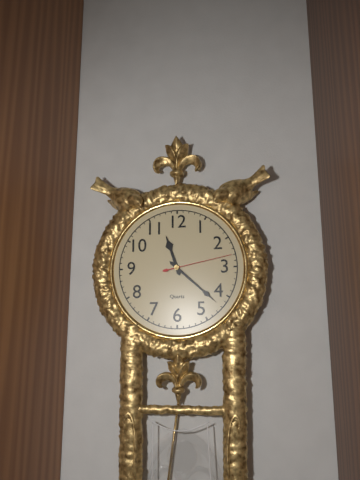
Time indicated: {"hour": 11, "minute": 22, "second": 13}
